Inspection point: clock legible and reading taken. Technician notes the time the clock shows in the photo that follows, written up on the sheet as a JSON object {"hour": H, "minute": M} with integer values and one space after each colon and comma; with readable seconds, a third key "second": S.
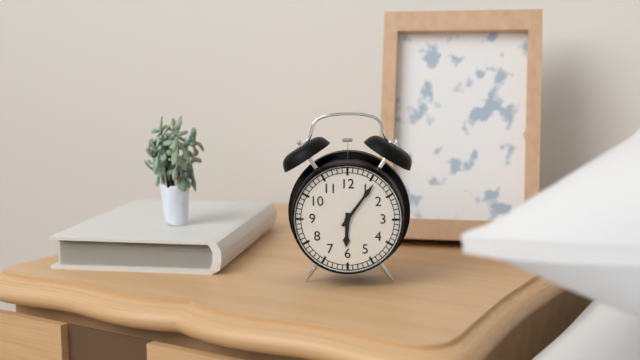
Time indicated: {"hour": 6, "minute": 6}
